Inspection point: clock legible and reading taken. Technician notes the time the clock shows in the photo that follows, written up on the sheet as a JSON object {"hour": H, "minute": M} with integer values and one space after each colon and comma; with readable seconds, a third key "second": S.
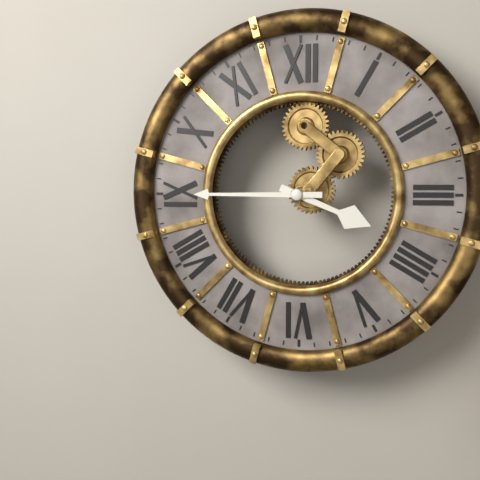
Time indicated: {"hour": 3, "minute": 45}
